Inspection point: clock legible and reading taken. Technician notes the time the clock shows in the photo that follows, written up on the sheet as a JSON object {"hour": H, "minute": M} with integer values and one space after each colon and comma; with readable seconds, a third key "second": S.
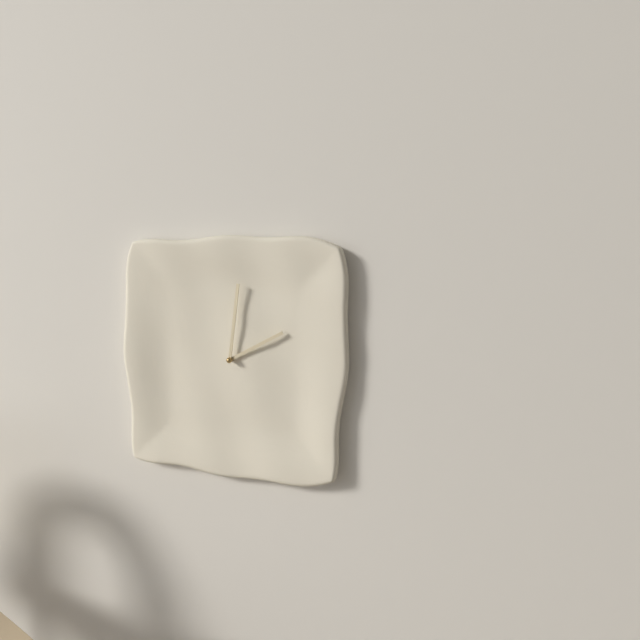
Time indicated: {"hour": 2, "minute": 1}
